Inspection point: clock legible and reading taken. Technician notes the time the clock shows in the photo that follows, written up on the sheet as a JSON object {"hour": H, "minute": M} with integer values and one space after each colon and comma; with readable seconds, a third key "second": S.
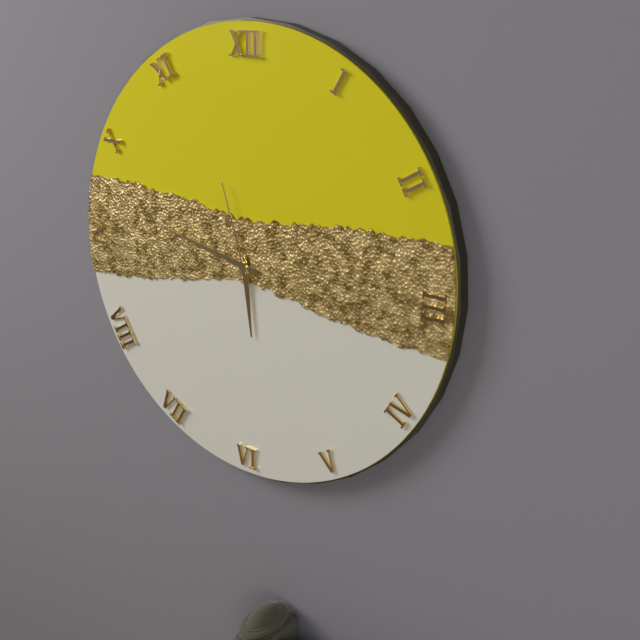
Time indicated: {"hour": 5, "minute": 47, "second": 57}
